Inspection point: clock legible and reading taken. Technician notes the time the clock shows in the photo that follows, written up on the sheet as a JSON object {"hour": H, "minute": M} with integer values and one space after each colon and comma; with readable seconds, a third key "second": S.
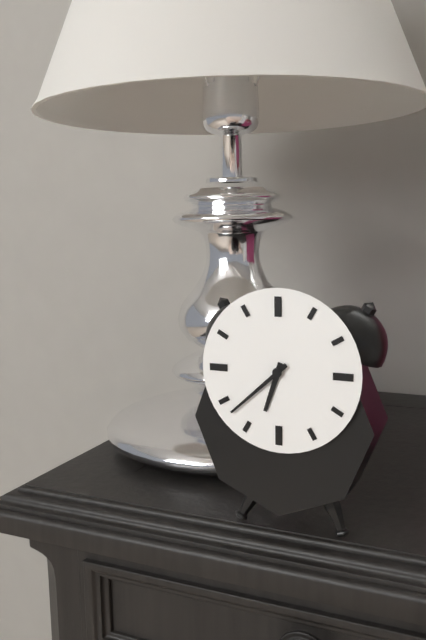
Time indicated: {"hour": 6, "minute": 38}
